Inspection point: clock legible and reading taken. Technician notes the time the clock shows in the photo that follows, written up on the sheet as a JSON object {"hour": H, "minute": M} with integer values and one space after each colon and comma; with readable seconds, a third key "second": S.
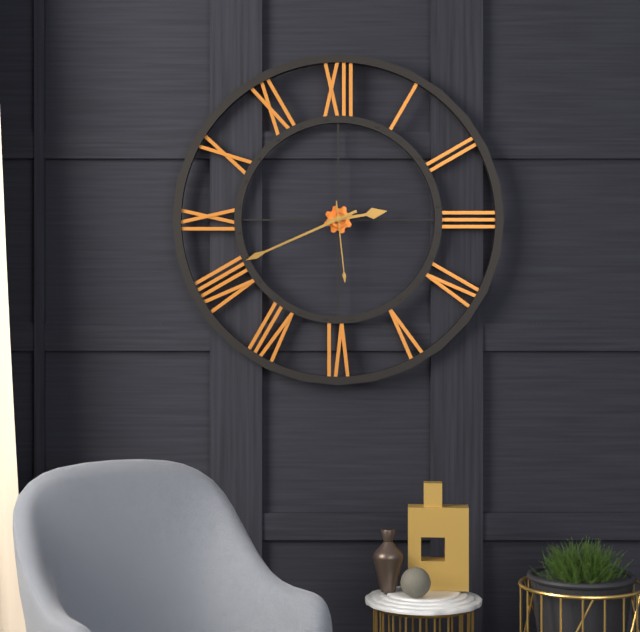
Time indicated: {"hour": 2, "minute": 41, "second": 29}
